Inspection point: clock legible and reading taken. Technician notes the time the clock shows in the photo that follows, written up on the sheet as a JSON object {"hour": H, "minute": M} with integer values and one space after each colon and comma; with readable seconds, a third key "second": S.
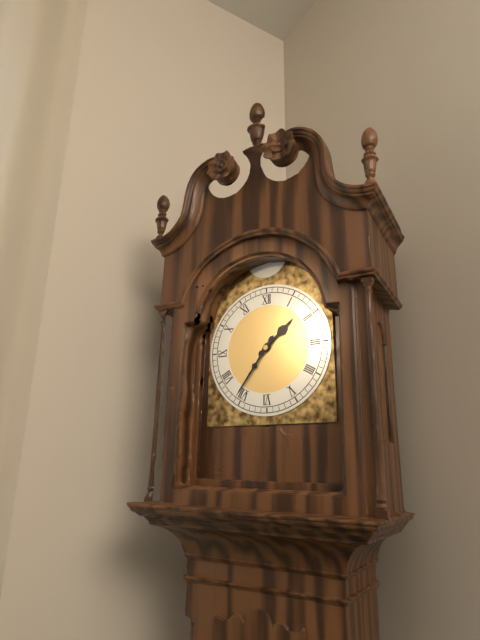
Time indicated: {"hour": 1, "minute": 36}
